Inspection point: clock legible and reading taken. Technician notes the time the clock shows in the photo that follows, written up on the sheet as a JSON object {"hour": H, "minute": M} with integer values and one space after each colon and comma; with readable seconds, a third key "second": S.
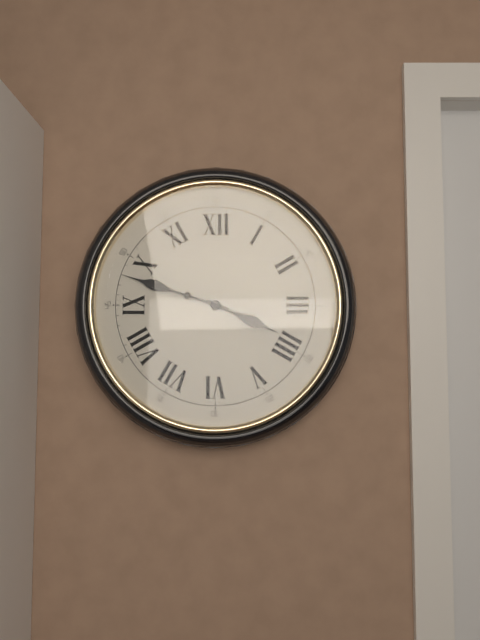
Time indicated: {"hour": 3, "minute": 48}
